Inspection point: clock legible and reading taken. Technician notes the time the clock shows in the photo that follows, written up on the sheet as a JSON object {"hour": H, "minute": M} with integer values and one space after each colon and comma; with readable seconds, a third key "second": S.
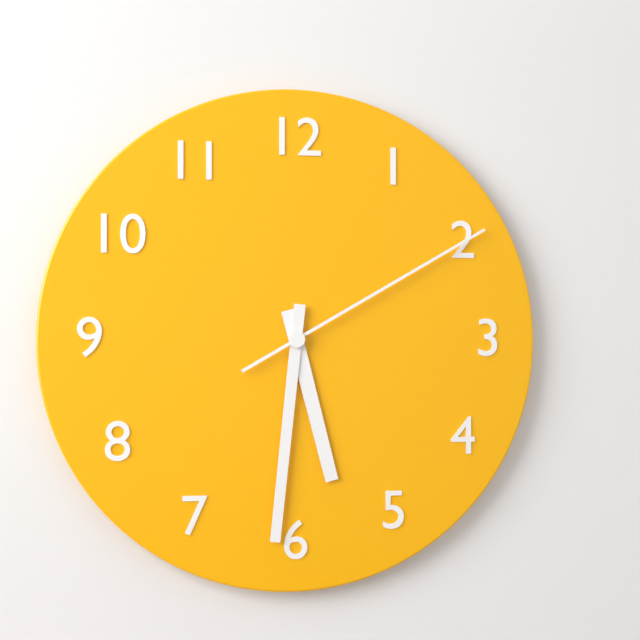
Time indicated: {"hour": 5, "minute": 31, "second": 10}
